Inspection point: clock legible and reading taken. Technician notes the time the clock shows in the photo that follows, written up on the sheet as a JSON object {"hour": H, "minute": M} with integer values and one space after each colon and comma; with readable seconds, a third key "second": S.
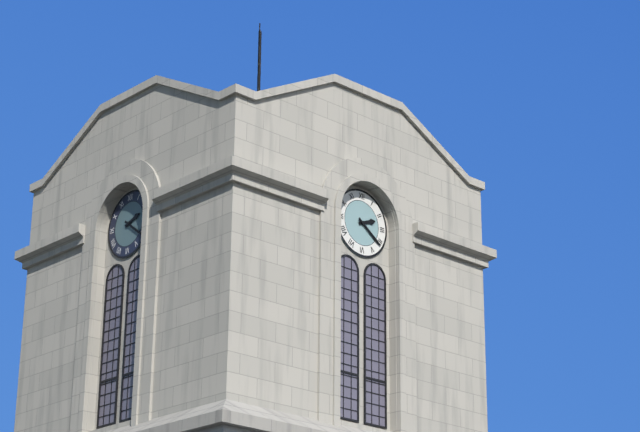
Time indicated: {"hour": 2, "minute": 21}
